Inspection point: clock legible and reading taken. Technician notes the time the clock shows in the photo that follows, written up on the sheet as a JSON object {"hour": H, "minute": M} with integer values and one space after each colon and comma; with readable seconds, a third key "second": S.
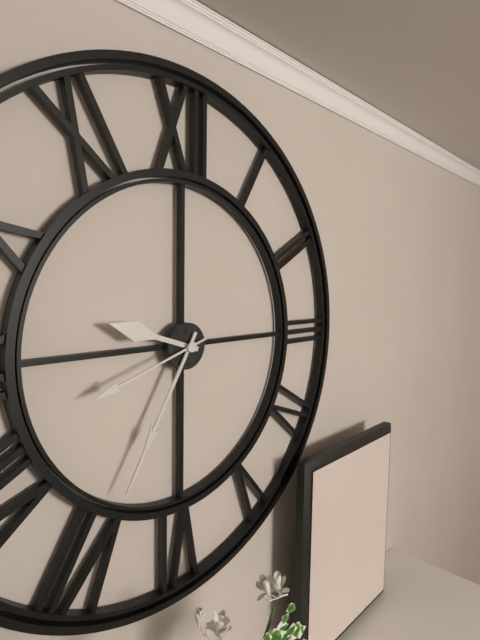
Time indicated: {"hour": 9, "minute": 35, "second": 42}
